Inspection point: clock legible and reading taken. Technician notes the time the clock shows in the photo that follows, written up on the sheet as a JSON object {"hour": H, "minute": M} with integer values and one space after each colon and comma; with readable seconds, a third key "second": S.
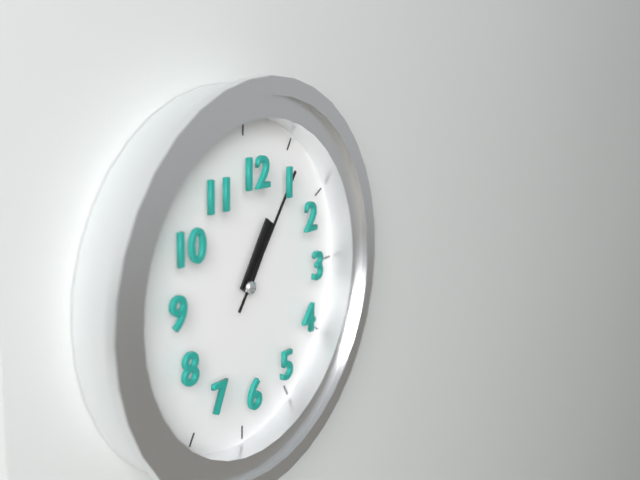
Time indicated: {"hour": 1, "minute": 6}
